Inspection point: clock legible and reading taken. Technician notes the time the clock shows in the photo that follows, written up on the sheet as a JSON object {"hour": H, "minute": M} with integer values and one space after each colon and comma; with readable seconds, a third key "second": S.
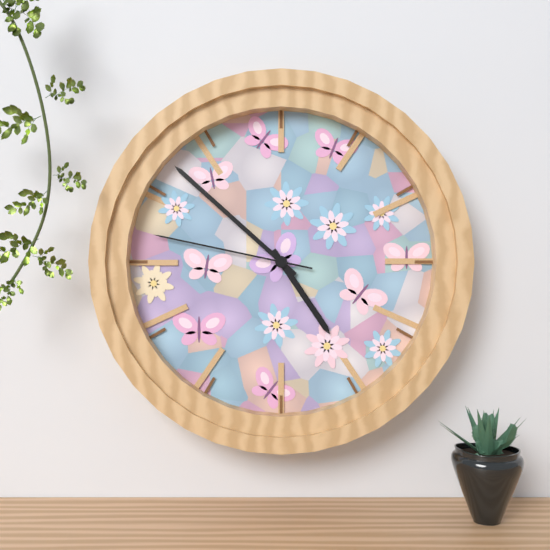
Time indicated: {"hour": 4, "minute": 52, "second": 47}
